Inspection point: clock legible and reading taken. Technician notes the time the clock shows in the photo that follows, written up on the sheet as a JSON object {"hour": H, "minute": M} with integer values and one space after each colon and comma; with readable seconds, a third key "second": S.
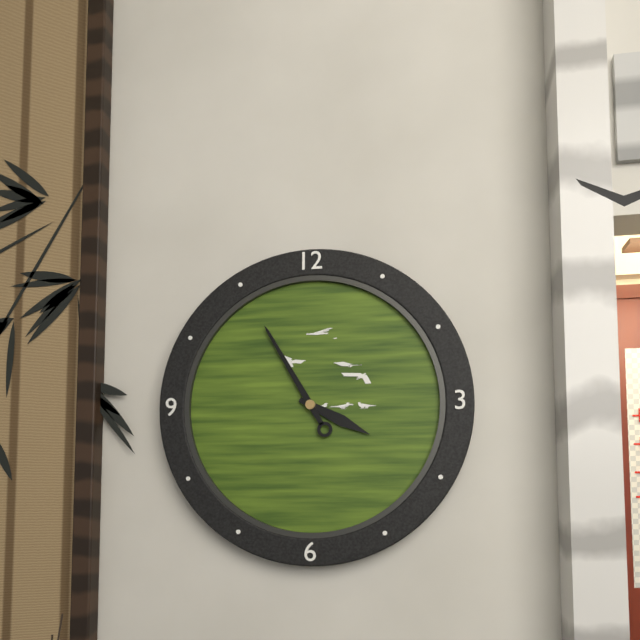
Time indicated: {"hour": 3, "minute": 55}
